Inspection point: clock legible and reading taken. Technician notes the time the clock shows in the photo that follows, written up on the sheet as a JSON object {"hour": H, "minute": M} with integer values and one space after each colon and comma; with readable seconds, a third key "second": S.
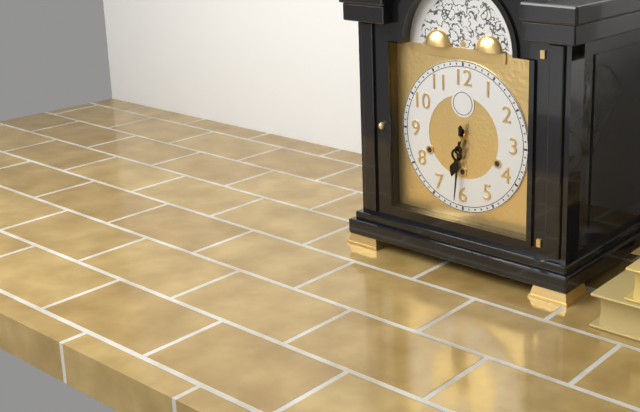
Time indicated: {"hour": 6, "minute": 31}
